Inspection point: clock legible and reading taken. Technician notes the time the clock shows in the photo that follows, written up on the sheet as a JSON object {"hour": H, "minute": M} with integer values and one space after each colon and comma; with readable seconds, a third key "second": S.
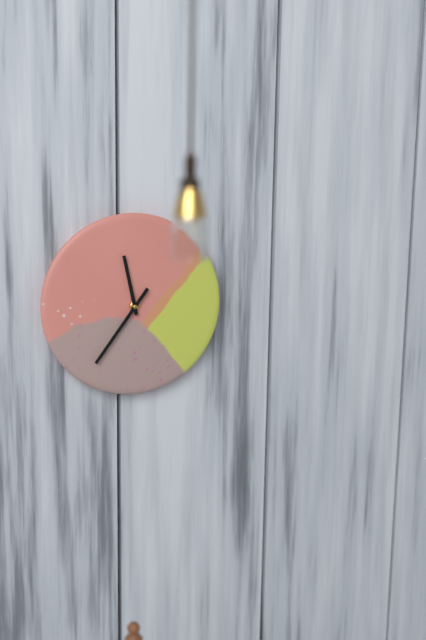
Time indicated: {"hour": 11, "minute": 36}
